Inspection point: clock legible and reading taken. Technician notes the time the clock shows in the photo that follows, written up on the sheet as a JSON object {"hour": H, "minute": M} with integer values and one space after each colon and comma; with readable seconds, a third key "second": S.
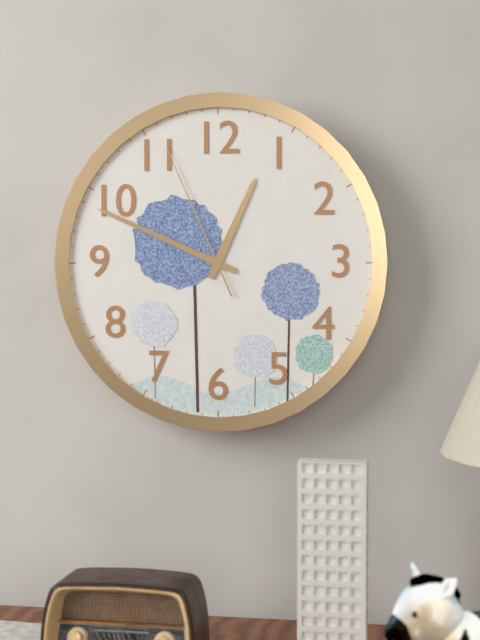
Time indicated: {"hour": 12, "minute": 49, "second": 56}
